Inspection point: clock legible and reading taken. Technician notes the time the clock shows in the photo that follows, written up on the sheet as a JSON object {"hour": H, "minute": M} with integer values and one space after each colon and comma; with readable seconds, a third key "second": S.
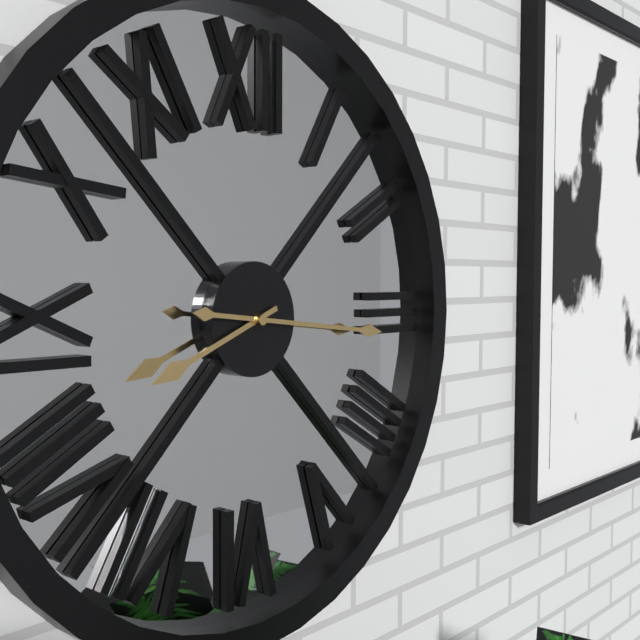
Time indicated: {"hour": 8, "minute": 16}
